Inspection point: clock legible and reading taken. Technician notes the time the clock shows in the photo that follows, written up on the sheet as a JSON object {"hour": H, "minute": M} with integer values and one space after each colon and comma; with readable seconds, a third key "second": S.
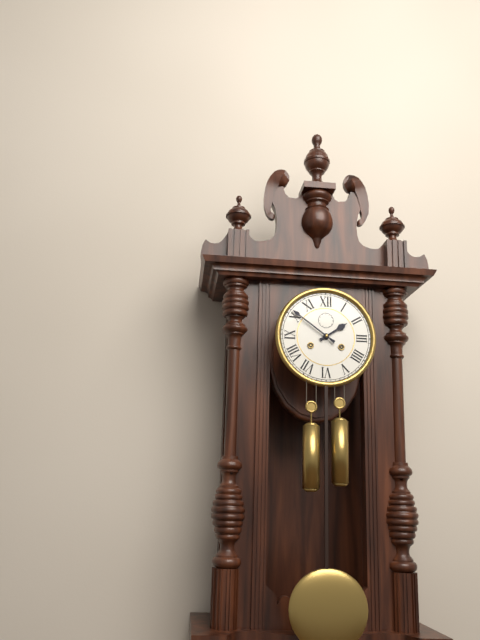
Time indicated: {"hour": 1, "minute": 51}
